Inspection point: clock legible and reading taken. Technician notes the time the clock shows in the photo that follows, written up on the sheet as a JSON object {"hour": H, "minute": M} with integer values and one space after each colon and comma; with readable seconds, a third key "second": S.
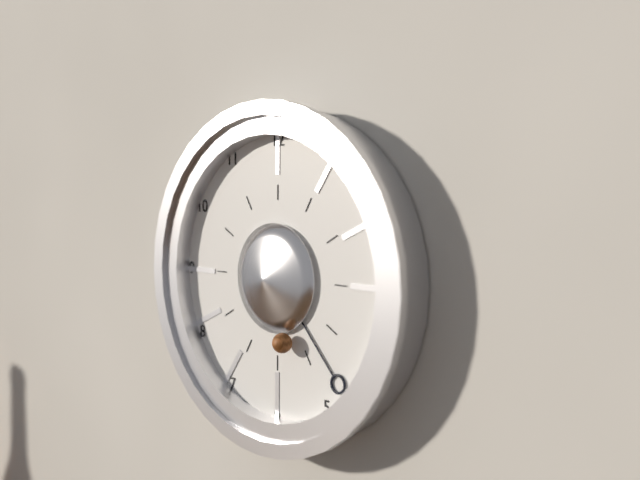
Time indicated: {"hour": 5, "minute": 23}
